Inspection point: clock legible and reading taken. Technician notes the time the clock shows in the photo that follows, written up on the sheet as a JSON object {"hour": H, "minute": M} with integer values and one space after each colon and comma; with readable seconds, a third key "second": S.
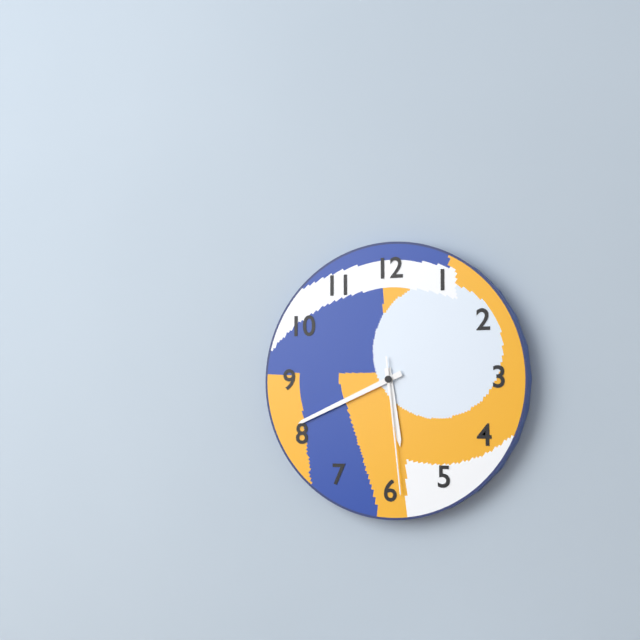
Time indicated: {"hour": 5, "minute": 41, "second": 29}
